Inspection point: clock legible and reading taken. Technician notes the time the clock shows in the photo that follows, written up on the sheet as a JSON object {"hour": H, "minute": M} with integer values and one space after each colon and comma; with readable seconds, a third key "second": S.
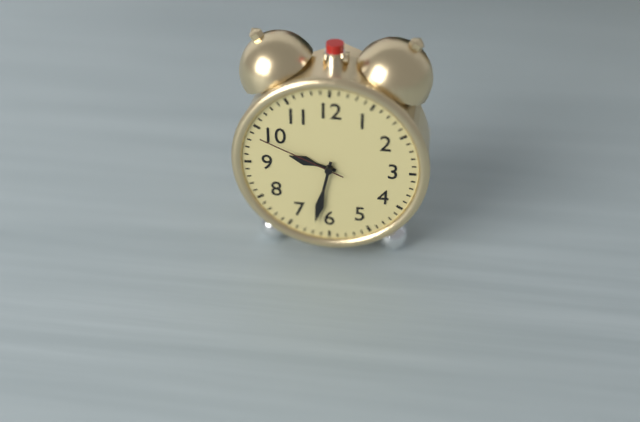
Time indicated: {"hour": 9, "minute": 32, "second": 49}
